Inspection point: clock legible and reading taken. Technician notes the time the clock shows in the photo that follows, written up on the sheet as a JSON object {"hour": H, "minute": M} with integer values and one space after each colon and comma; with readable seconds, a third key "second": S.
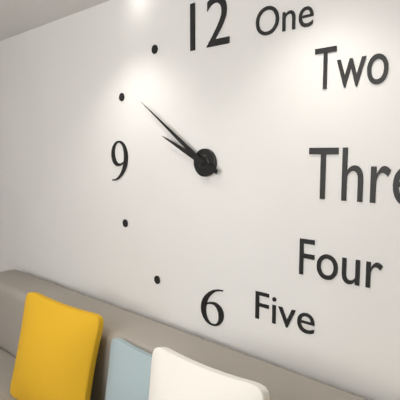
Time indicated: {"hour": 9, "minute": 51}
